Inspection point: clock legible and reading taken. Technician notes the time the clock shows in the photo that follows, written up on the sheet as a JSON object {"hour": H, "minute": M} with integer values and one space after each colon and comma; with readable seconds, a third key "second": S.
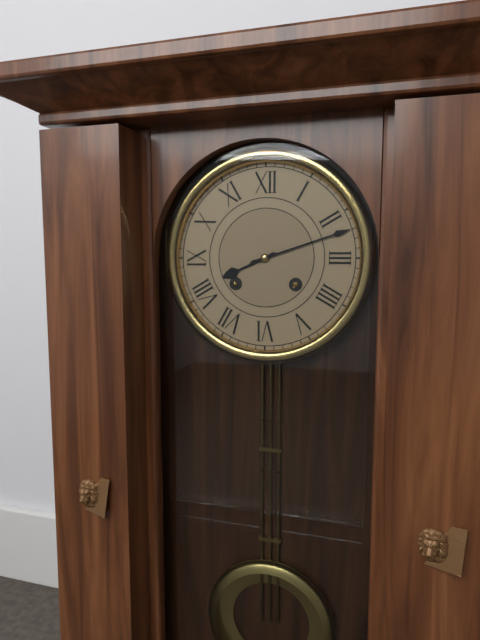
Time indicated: {"hour": 8, "minute": 12}
